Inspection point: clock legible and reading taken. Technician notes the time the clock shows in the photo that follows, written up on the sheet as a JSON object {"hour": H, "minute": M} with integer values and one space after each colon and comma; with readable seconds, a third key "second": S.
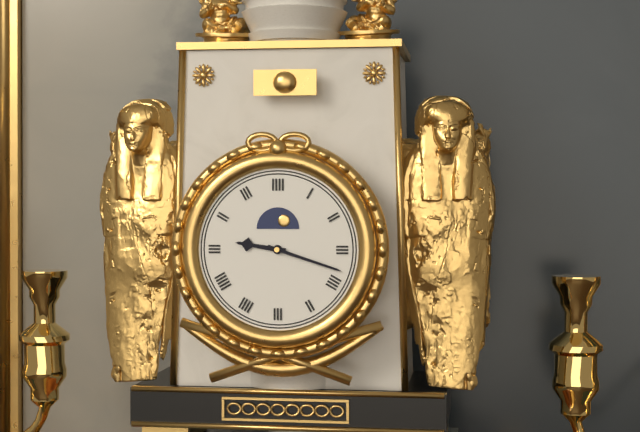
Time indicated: {"hour": 9, "minute": 18}
